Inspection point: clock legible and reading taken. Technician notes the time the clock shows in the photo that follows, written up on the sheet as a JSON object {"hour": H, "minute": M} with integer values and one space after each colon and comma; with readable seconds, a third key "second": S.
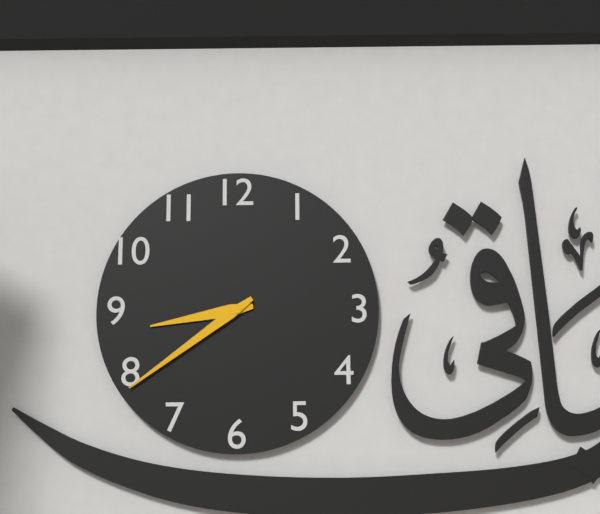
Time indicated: {"hour": 8, "minute": 39}
